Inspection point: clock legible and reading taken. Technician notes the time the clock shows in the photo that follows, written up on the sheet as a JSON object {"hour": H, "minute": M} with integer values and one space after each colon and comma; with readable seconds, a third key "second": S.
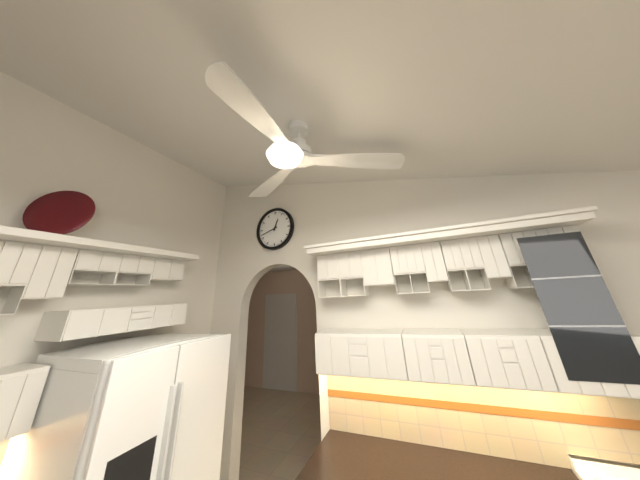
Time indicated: {"hour": 12, "minute": 42}
